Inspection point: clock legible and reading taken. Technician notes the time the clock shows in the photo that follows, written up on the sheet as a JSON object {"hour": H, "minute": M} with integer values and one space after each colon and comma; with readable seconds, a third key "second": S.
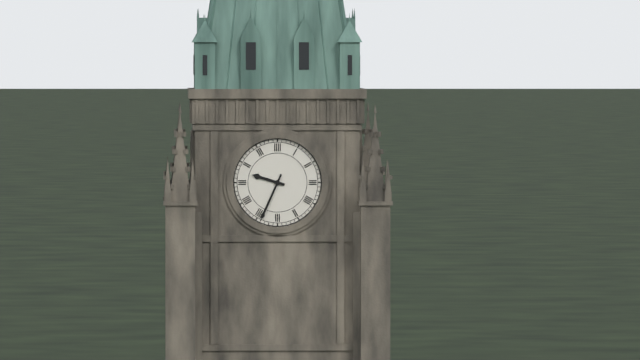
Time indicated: {"hour": 9, "minute": 34}
